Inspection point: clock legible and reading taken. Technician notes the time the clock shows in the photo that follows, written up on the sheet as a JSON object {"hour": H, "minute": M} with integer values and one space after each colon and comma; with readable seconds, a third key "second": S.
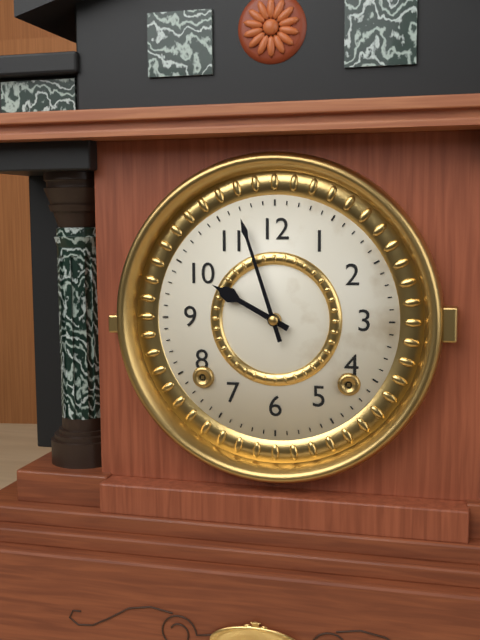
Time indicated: {"hour": 9, "minute": 57}
